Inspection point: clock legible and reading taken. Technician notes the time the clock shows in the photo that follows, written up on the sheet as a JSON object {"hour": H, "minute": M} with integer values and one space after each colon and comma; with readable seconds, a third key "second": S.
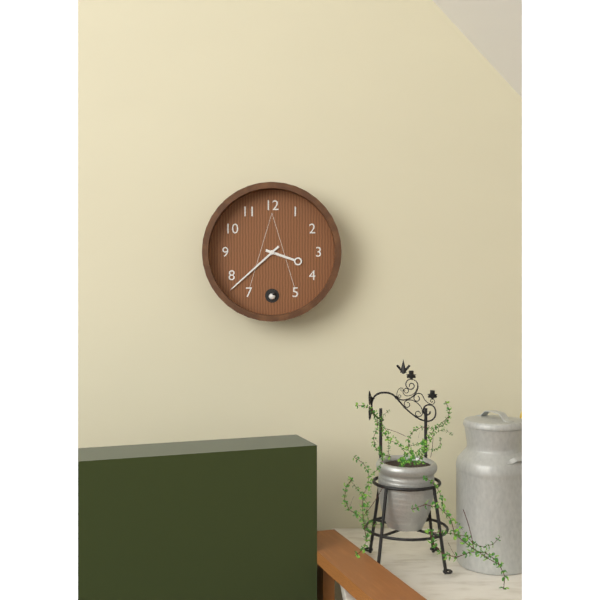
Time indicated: {"hour": 3, "minute": 38}
